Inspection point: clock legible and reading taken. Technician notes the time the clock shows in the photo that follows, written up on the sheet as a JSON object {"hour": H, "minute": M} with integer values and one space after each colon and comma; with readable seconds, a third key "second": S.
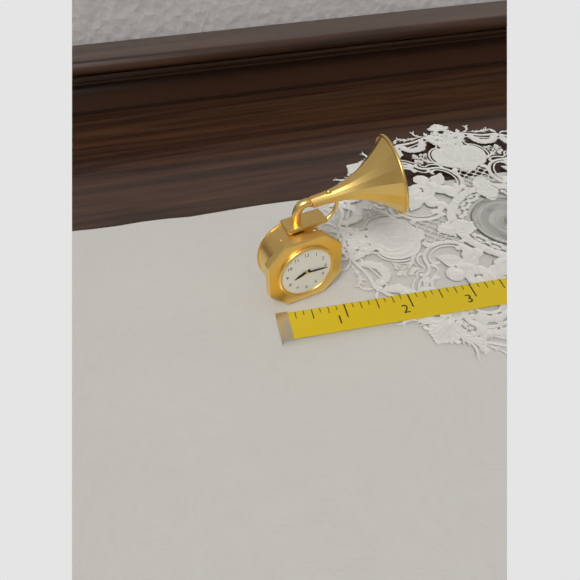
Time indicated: {"hour": 8, "minute": 16}
